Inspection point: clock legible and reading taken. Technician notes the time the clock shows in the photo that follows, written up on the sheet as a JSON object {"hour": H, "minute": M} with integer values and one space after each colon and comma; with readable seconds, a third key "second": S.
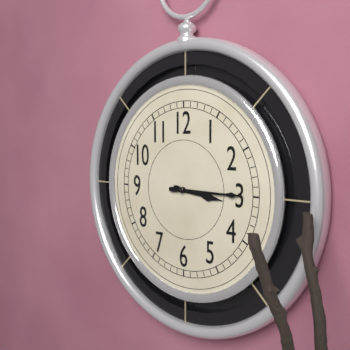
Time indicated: {"hour": 3, "minute": 15}
